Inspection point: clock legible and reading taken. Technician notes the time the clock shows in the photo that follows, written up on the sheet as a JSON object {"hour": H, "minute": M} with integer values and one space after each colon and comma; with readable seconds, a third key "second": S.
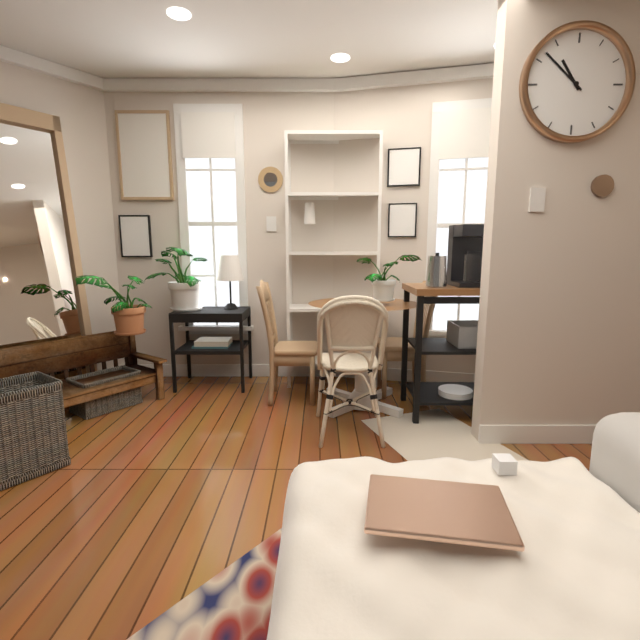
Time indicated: {"hour": 10, "minute": 52}
